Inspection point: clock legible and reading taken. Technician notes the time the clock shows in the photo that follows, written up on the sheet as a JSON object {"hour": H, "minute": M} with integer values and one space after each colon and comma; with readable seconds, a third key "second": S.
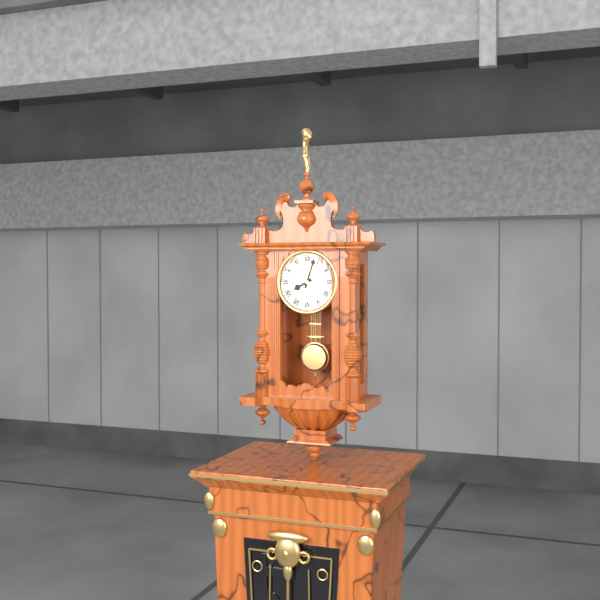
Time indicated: {"hour": 8, "minute": 3}
